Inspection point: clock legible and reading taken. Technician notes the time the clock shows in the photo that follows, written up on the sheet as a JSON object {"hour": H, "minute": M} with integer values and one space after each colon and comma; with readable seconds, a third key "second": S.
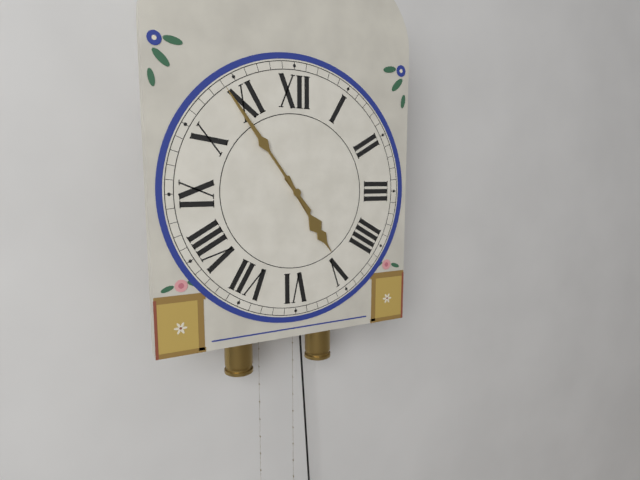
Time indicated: {"hour": 4, "minute": 54}
